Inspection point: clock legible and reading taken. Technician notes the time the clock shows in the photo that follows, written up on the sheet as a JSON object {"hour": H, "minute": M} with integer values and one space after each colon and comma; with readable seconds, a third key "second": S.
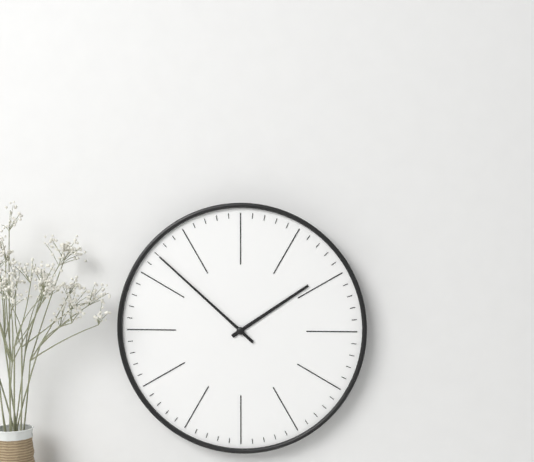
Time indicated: {"hour": 1, "minute": 52}
